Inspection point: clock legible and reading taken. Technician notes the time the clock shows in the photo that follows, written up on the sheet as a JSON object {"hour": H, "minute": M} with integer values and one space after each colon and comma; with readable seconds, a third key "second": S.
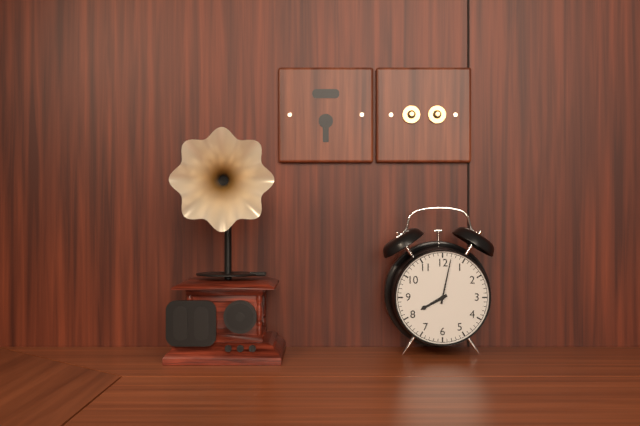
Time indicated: {"hour": 8, "minute": 2}
